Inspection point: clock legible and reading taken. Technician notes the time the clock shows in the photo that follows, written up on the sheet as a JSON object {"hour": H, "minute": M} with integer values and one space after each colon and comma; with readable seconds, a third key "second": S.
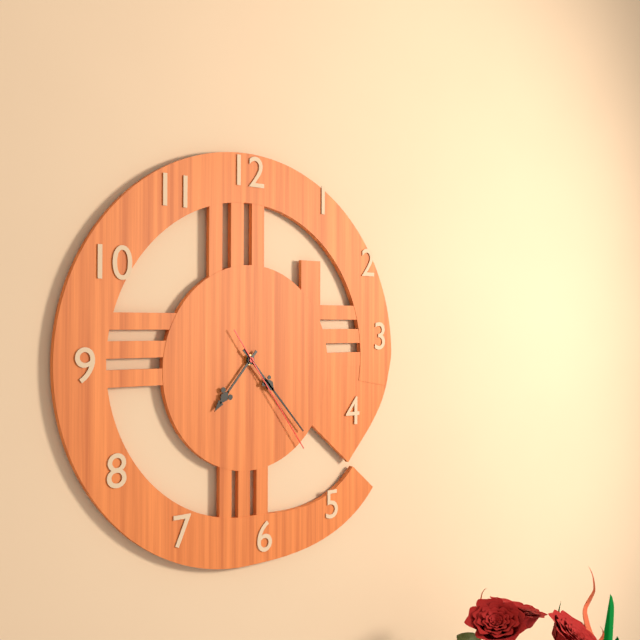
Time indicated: {"hour": 7, "minute": 23, "second": 24}
